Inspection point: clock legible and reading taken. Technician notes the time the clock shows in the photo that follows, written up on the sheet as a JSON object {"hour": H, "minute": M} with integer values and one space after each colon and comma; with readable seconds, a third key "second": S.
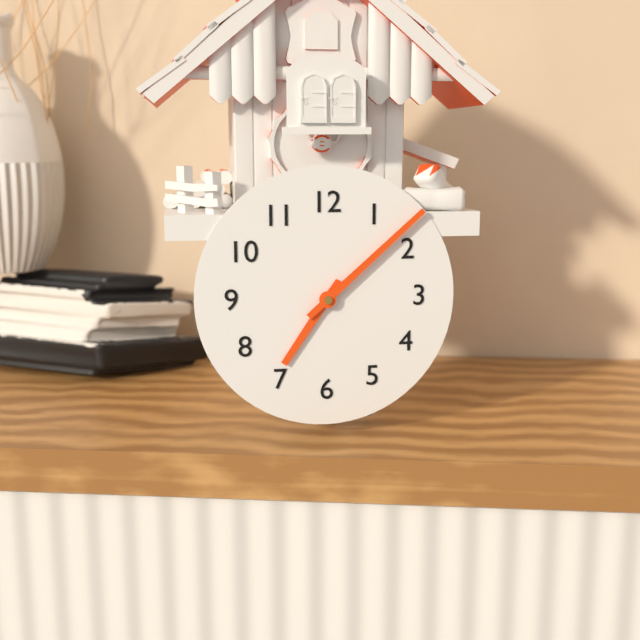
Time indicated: {"hour": 7, "minute": 8}
